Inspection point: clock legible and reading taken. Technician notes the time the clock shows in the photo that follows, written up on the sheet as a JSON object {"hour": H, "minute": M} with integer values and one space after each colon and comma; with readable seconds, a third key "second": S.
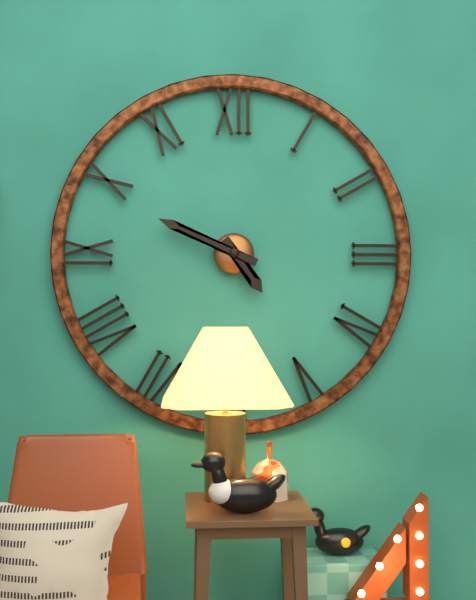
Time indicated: {"hour": 4, "minute": 49}
